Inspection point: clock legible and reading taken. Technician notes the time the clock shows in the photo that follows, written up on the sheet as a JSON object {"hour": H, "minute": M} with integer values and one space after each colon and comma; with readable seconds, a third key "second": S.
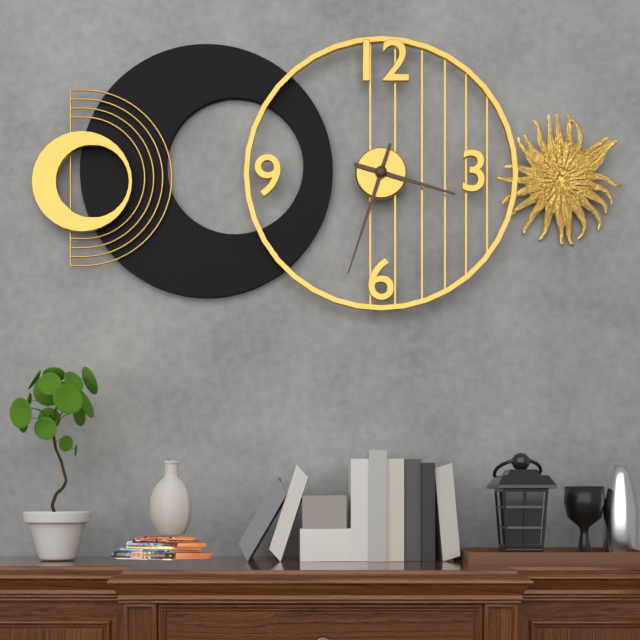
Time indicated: {"hour": 3, "minute": 33}
